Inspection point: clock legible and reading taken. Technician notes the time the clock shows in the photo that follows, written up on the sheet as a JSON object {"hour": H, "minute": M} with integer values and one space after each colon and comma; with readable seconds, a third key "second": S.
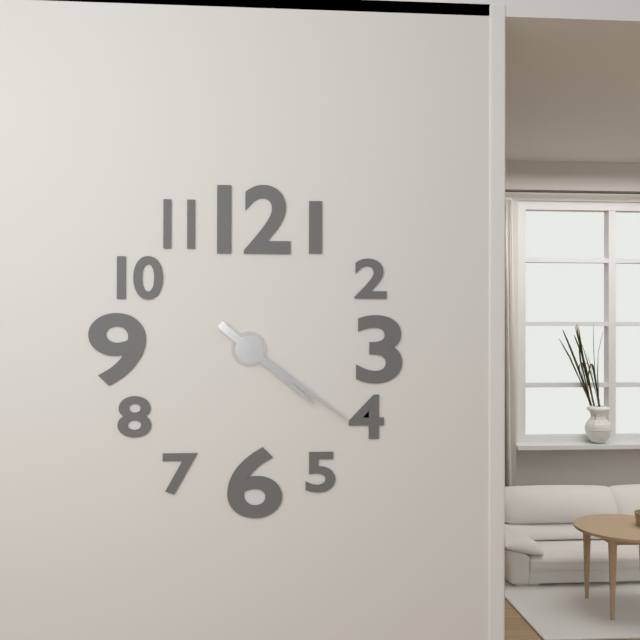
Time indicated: {"hour": 4, "minute": 21}
